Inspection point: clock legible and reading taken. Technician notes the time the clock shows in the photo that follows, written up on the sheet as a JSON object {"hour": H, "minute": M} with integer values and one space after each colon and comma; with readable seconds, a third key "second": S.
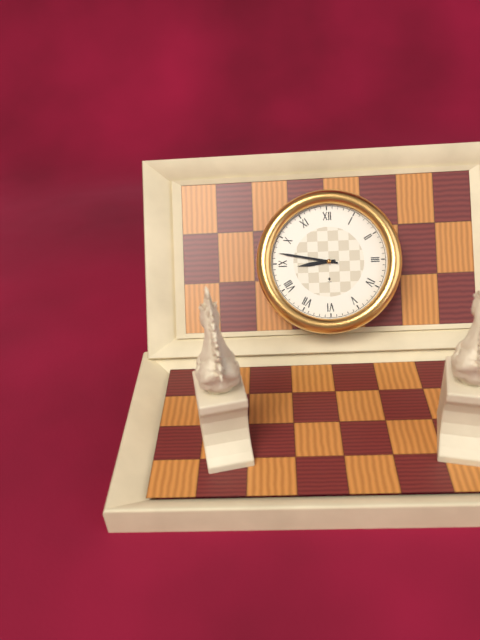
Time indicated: {"hour": 8, "minute": 47}
